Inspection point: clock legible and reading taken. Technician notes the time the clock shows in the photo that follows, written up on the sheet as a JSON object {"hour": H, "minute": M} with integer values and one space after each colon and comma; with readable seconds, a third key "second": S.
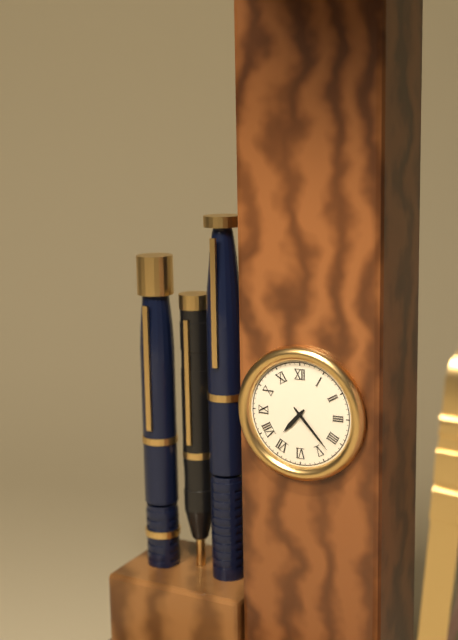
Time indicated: {"hour": 7, "minute": 23}
